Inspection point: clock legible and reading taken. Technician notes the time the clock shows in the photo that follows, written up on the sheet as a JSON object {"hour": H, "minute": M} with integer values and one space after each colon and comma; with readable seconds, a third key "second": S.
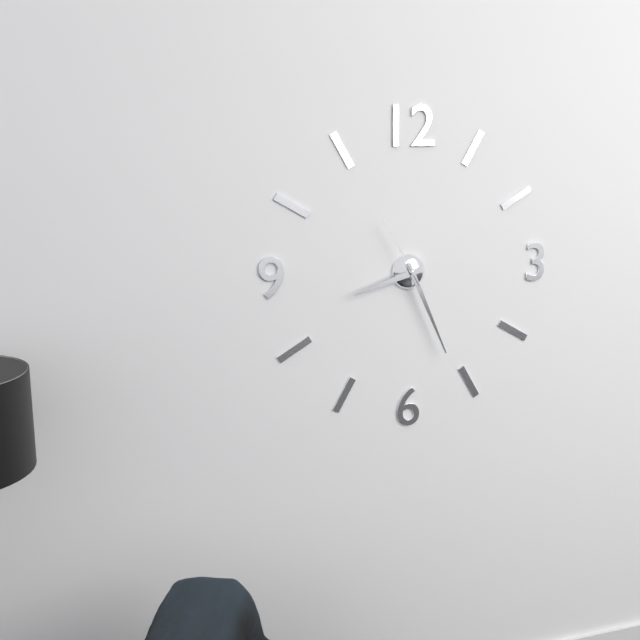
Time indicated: {"hour": 8, "minute": 26, "second": 55}
